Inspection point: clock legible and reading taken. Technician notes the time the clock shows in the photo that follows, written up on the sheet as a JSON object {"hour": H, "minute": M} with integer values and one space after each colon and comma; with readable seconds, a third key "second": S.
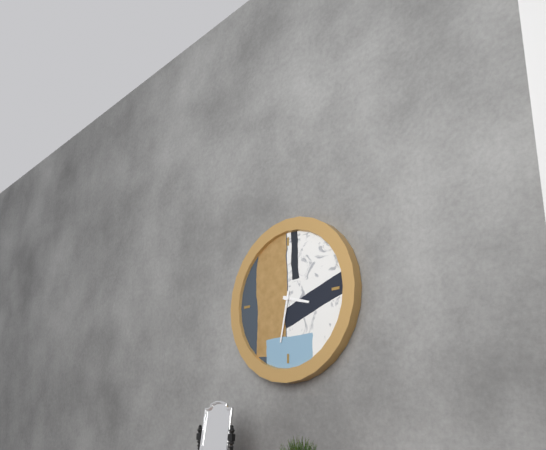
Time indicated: {"hour": 3, "minute": 32}
